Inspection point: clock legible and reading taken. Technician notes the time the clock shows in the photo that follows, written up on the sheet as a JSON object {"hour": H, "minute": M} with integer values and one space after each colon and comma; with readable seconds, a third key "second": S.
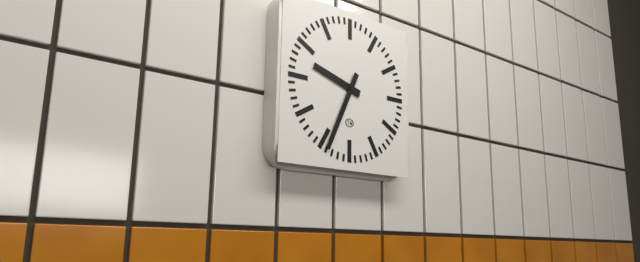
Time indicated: {"hour": 9, "minute": 34}
